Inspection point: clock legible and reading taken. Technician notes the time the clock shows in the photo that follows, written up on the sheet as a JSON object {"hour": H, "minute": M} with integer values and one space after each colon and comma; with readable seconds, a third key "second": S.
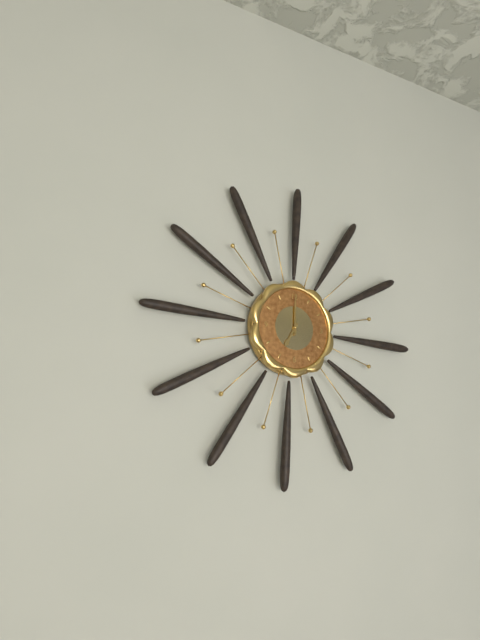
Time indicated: {"hour": 7, "minute": 0}
